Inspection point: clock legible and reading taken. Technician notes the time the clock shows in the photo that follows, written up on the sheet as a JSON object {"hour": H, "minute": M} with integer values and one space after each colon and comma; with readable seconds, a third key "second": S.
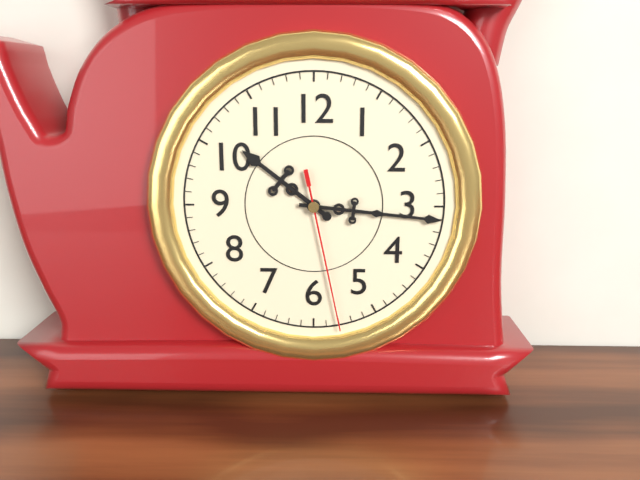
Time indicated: {"hour": 10, "minute": 16, "second": 28}
